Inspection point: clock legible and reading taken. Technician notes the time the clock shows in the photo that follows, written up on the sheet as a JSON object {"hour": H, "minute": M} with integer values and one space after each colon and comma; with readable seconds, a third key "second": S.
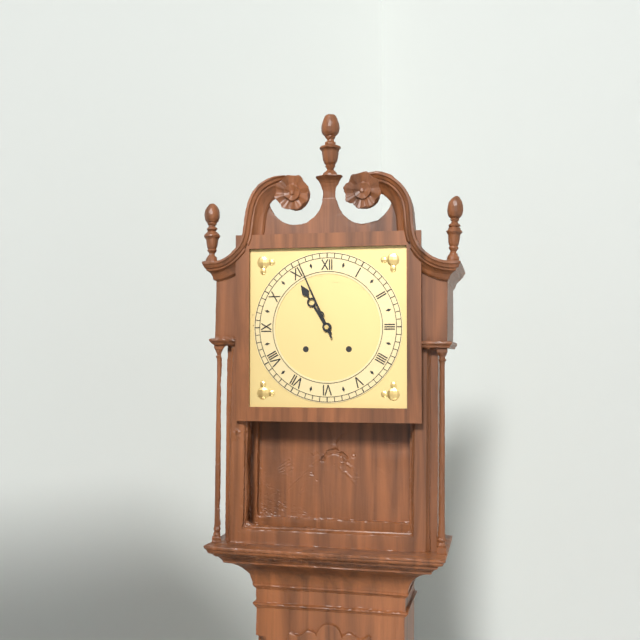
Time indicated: {"hour": 10, "minute": 56}
